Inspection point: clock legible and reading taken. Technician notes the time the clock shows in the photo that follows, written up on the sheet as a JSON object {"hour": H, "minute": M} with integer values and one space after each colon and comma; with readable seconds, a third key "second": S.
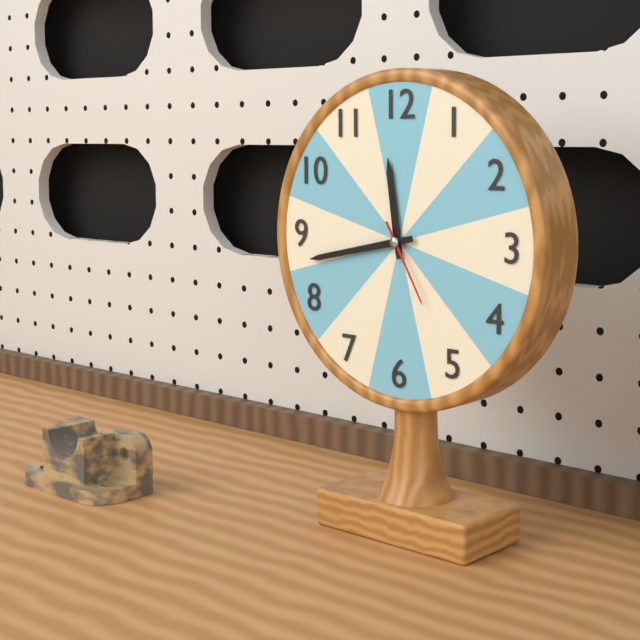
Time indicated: {"hour": 11, "minute": 43, "second": 25}
